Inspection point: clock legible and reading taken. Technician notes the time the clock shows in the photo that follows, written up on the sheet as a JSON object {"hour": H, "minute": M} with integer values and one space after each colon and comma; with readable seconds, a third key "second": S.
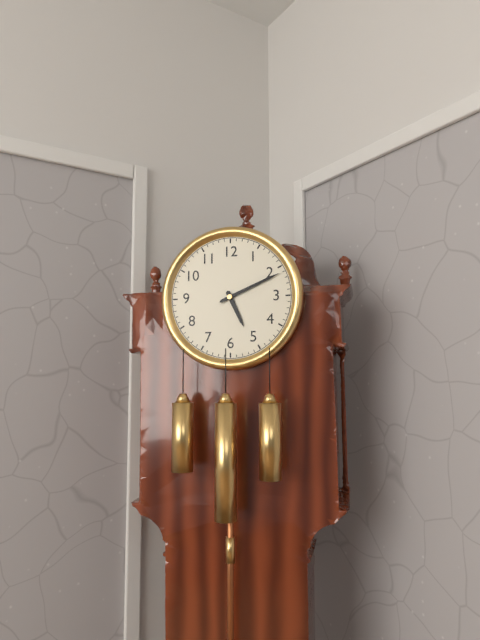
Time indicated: {"hour": 5, "minute": 11}
